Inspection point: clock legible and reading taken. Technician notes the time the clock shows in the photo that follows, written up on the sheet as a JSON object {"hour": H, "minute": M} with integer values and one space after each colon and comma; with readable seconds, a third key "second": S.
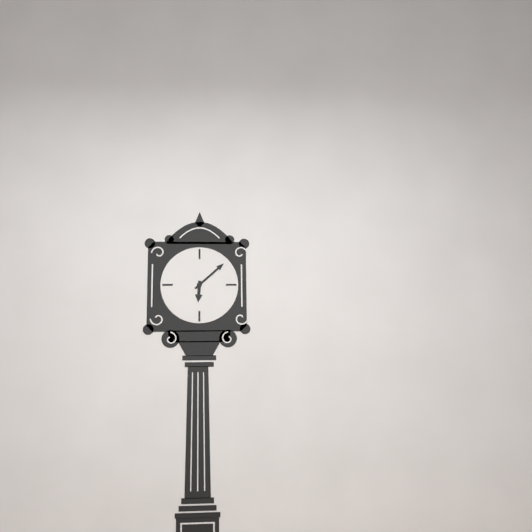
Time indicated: {"hour": 6, "minute": 8}
